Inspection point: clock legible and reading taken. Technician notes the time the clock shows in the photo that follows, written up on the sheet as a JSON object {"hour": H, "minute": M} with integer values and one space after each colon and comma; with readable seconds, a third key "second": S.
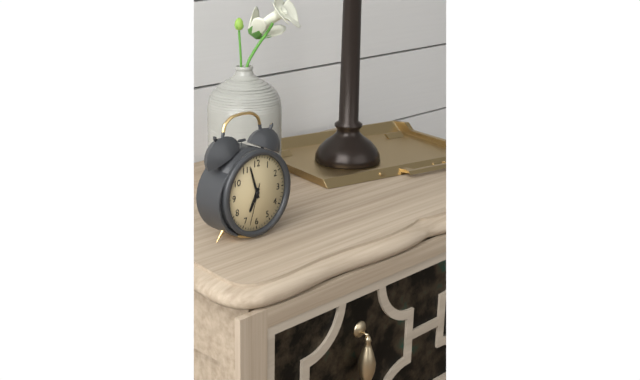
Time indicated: {"hour": 6, "minute": 57}
